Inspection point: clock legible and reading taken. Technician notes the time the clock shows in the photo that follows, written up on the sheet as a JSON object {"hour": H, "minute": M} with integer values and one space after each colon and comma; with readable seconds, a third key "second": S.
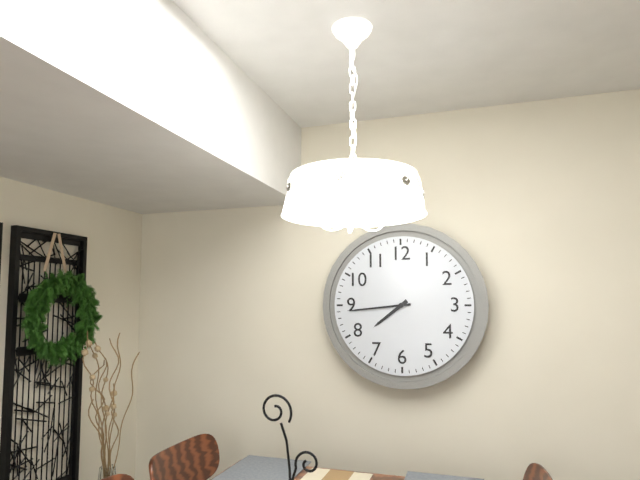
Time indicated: {"hour": 7, "minute": 44}
